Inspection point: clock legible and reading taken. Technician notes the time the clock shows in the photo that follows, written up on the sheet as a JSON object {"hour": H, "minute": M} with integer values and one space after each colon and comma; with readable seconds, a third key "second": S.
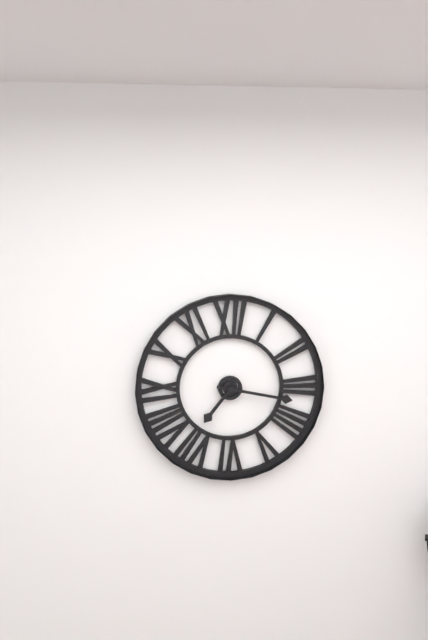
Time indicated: {"hour": 7, "minute": 17}
